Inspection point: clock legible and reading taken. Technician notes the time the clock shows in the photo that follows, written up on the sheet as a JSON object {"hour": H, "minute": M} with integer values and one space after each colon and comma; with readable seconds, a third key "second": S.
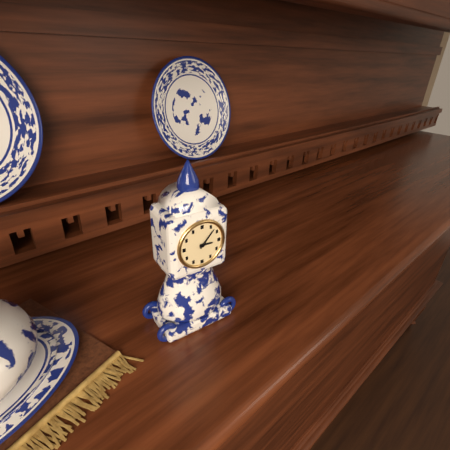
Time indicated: {"hour": 3, "minute": 7}
